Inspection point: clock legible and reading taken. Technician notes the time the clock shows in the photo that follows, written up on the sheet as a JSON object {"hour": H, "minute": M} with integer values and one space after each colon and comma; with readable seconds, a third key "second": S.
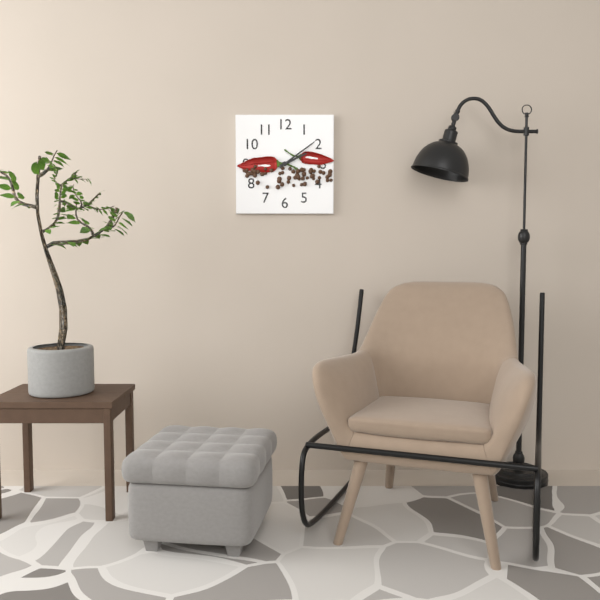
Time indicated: {"hour": 2, "minute": 9}
